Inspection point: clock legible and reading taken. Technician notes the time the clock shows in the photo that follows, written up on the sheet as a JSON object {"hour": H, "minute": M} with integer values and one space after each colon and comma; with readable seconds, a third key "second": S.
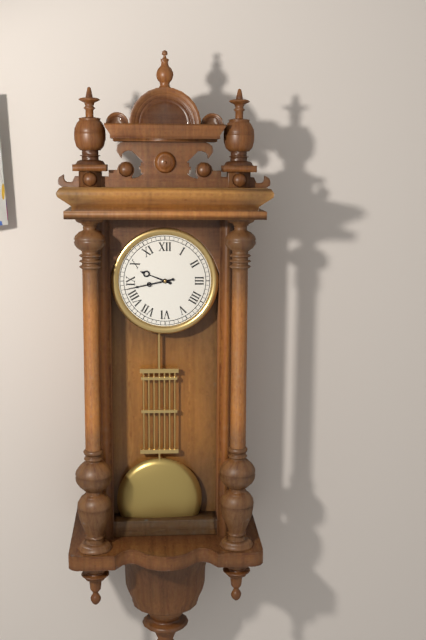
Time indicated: {"hour": 9, "minute": 43}
